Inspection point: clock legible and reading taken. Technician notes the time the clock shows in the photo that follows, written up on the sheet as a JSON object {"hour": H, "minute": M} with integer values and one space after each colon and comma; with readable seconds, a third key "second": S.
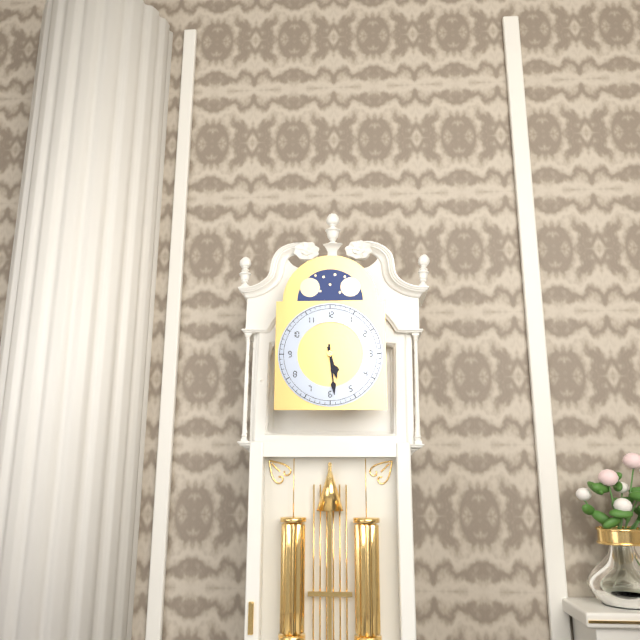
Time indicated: {"hour": 5, "minute": 29}
